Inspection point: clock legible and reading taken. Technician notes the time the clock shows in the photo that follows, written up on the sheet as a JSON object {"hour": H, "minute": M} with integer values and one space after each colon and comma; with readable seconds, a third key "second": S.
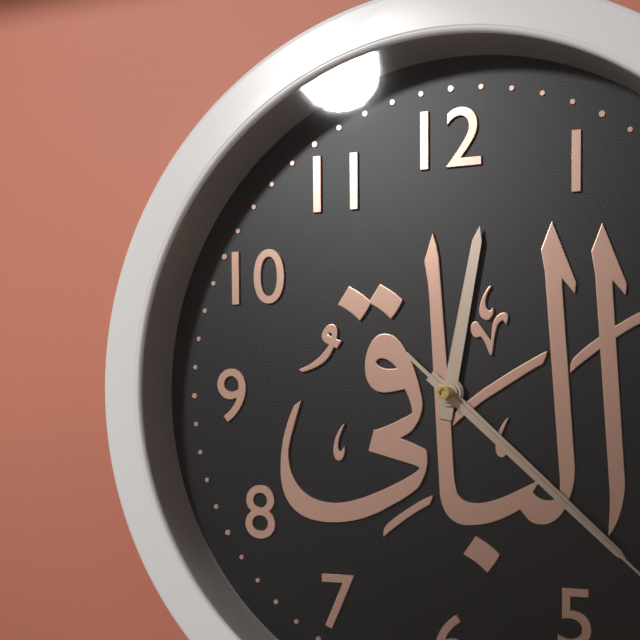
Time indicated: {"hour": 12, "minute": 22}
